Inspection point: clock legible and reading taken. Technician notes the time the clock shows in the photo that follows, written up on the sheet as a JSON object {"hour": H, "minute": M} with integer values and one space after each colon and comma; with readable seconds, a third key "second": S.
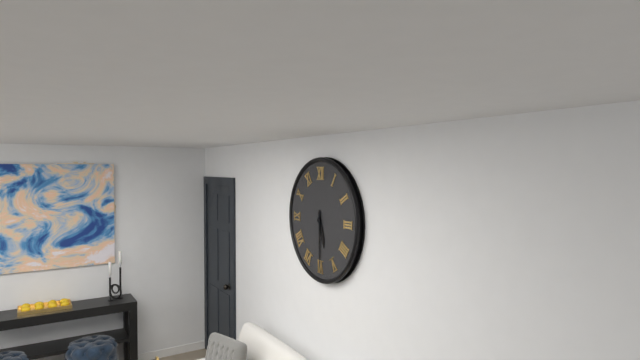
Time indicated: {"hour": 5, "minute": 30}
